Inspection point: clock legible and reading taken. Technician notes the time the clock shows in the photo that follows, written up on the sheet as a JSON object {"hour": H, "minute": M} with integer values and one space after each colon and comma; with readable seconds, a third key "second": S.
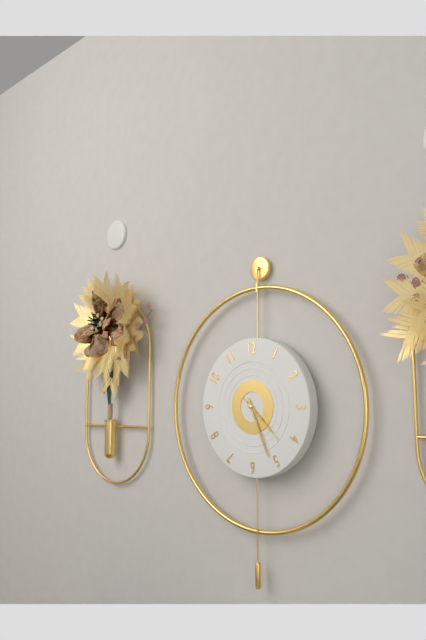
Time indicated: {"hour": 4, "minute": 26, "second": 22}
